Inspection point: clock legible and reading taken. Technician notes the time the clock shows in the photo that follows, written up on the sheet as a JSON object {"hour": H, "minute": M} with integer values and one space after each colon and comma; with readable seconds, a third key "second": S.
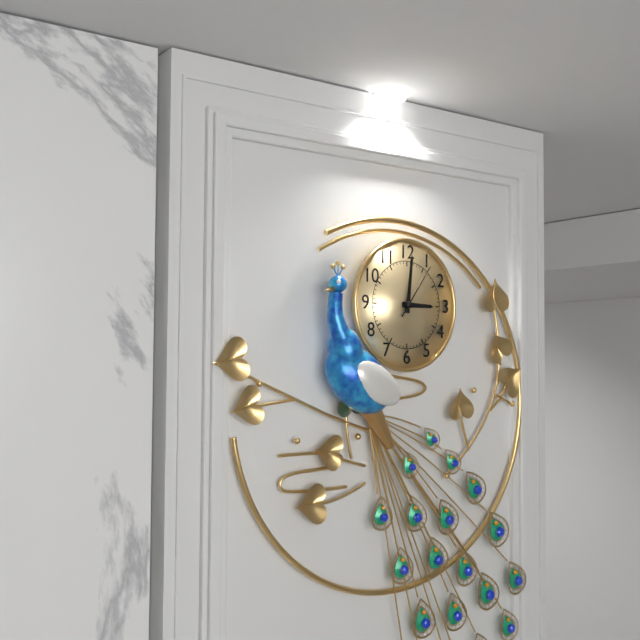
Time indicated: {"hour": 3, "minute": 1, "second": 6}
